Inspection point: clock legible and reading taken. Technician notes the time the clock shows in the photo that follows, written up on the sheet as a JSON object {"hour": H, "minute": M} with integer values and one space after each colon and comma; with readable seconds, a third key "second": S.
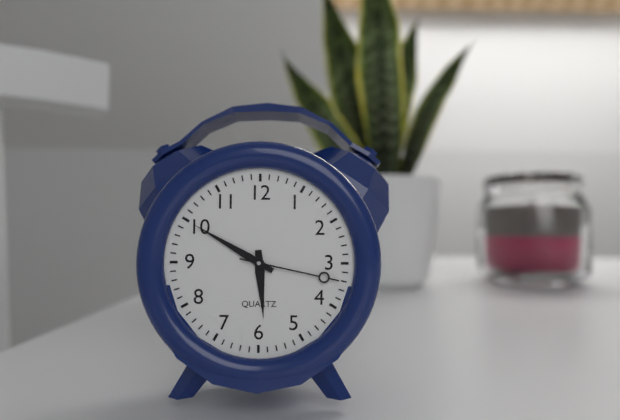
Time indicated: {"hour": 5, "minute": 50, "second": 17}
